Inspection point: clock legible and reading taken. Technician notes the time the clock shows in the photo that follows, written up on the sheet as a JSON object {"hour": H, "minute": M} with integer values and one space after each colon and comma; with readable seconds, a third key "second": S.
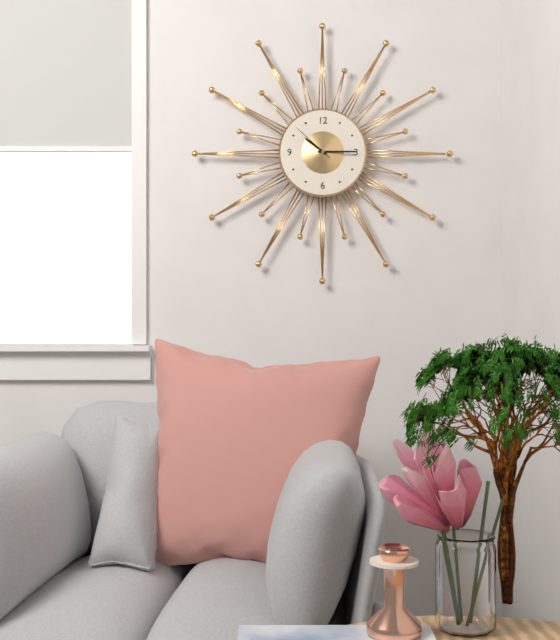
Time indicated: {"hour": 10, "minute": 15}
